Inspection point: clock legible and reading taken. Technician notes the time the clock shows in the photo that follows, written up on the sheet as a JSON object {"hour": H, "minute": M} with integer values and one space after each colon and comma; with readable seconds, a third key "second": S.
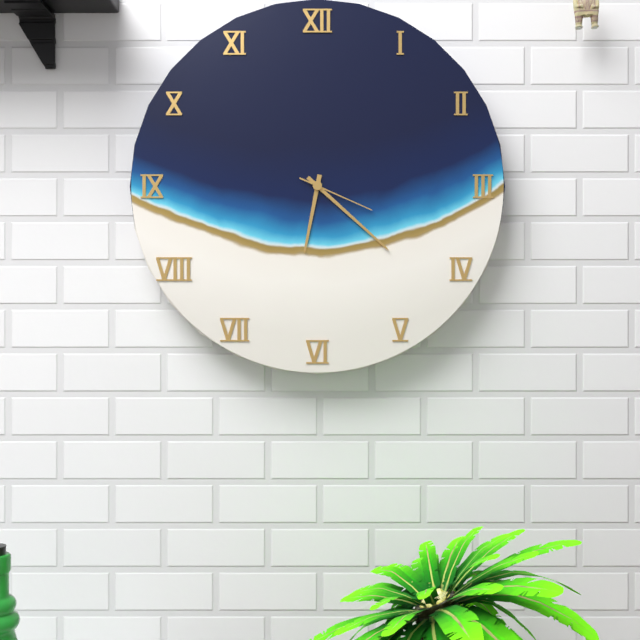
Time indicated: {"hour": 6, "minute": 22, "second": 19}
